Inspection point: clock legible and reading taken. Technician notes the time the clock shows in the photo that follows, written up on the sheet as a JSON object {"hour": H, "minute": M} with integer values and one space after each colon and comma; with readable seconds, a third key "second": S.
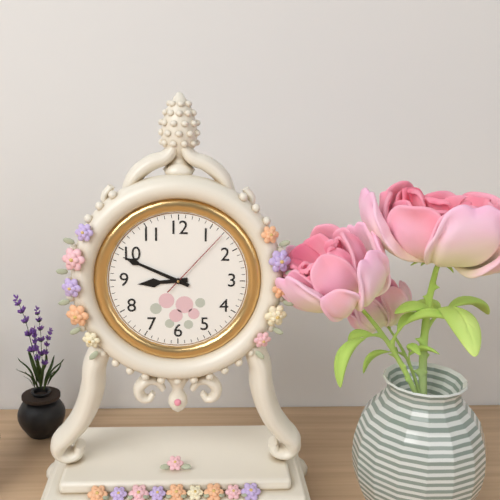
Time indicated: {"hour": 8, "minute": 49, "second": 7}
